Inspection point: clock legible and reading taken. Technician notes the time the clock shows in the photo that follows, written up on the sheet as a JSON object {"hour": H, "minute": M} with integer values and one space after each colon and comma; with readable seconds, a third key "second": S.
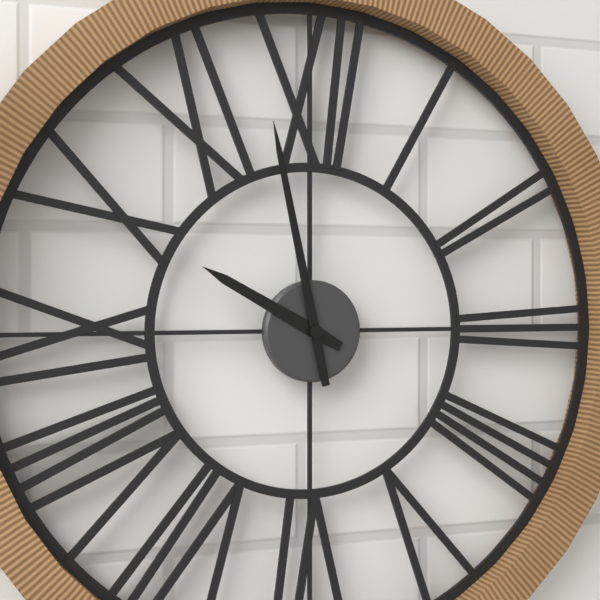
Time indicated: {"hour": 9, "minute": 58}
